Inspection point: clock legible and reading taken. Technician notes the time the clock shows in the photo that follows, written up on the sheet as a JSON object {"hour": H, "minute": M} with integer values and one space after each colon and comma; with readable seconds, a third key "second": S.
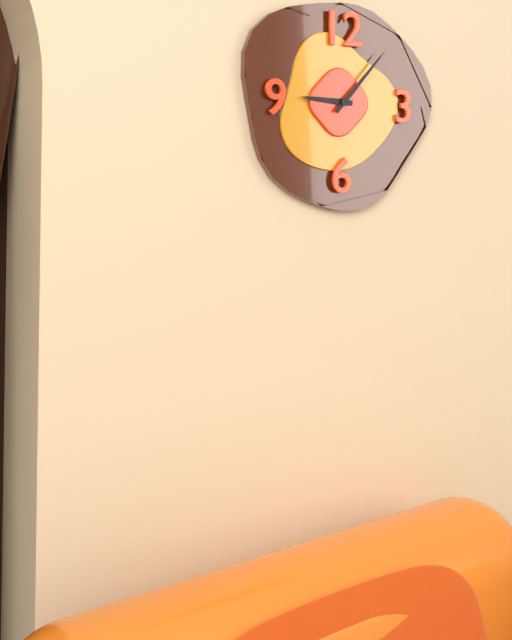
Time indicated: {"hour": 9, "minute": 7}
